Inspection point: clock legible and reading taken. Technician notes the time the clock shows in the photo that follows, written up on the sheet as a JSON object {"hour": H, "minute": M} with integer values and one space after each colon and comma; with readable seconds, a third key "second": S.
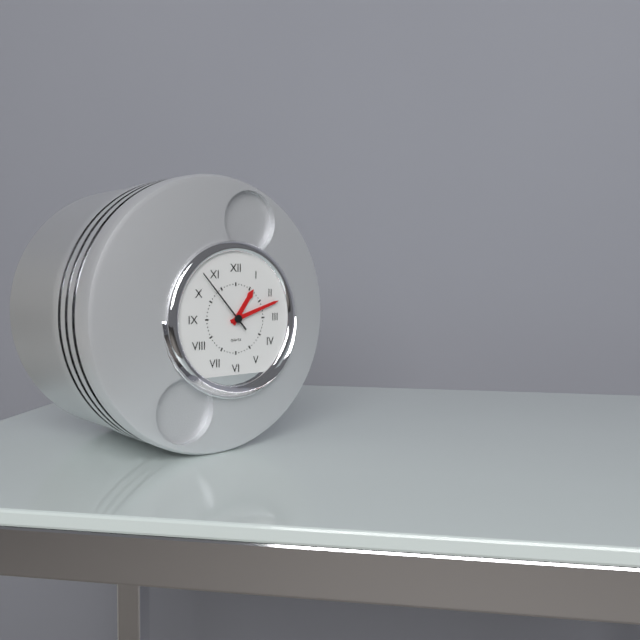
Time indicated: {"hour": 1, "minute": 12, "second": 53}
